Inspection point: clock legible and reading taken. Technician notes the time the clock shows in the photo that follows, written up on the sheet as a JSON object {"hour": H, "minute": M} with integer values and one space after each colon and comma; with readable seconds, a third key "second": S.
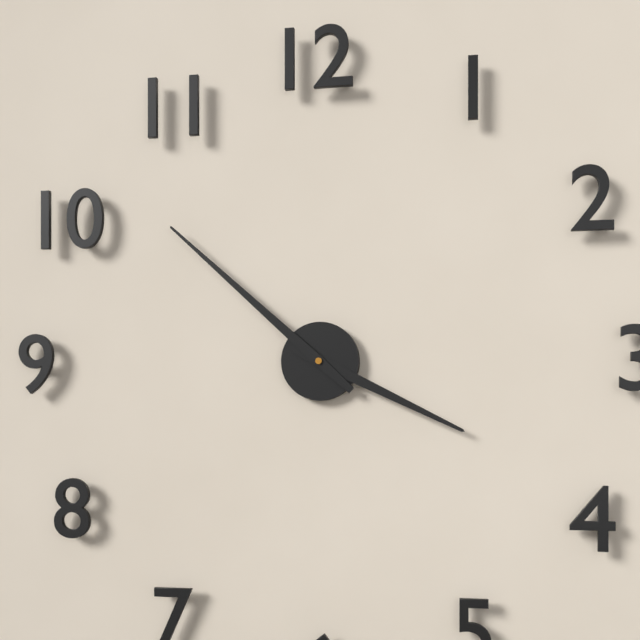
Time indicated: {"hour": 3, "minute": 52}
